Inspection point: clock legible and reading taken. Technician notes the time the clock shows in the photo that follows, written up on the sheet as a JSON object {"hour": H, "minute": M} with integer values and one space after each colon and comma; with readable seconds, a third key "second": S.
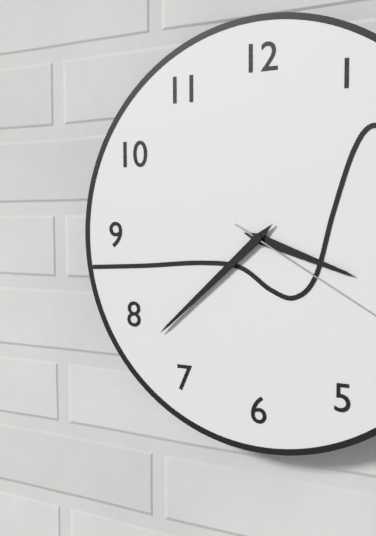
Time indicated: {"hour": 3, "minute": 38}
